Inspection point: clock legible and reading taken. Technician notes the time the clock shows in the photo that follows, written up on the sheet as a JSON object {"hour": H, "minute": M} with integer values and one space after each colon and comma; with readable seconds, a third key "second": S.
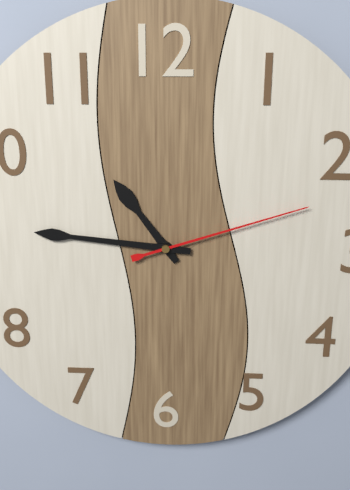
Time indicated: {"hour": 10, "minute": 46, "second": 12}
